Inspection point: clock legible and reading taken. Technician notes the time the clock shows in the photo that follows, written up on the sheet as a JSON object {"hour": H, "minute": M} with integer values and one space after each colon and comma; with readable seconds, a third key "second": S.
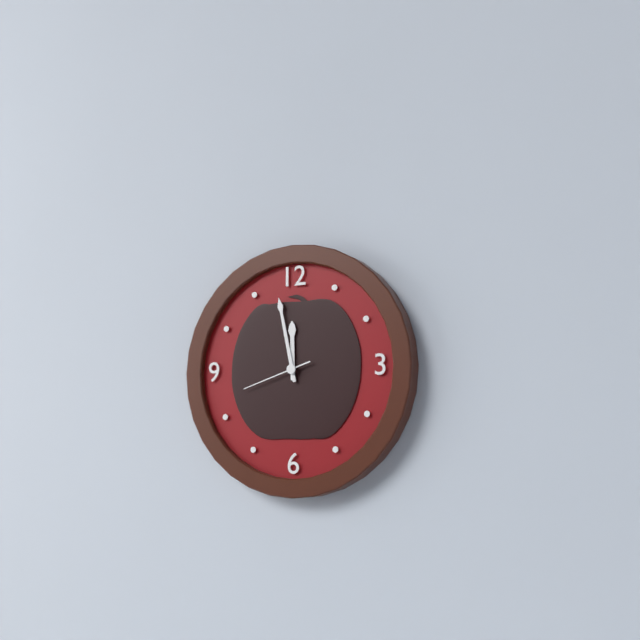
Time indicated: {"hour": 11, "minute": 58, "second": 42}
